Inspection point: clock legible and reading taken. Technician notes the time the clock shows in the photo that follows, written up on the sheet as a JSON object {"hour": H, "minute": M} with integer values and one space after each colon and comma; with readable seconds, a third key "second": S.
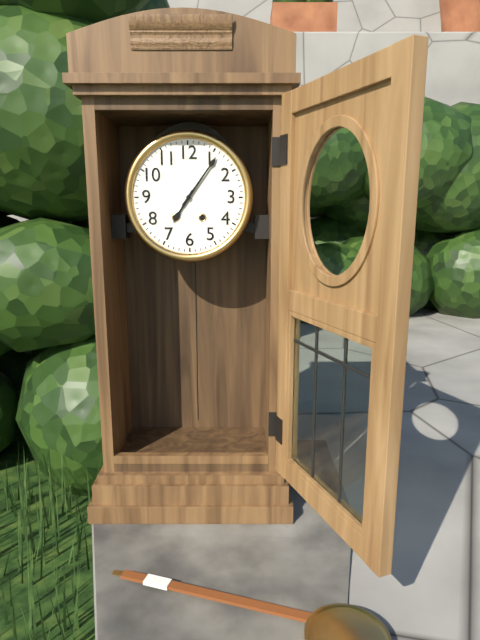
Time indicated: {"hour": 7, "minute": 6}
